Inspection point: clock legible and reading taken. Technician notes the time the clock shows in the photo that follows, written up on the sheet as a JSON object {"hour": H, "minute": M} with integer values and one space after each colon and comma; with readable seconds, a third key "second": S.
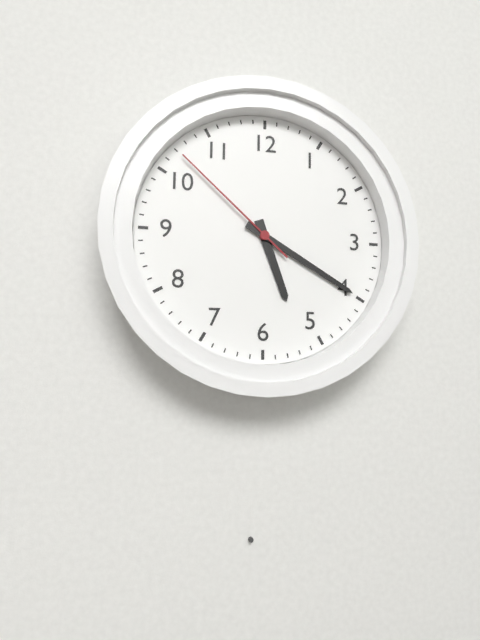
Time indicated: {"hour": 5, "minute": 20, "second": 52}
